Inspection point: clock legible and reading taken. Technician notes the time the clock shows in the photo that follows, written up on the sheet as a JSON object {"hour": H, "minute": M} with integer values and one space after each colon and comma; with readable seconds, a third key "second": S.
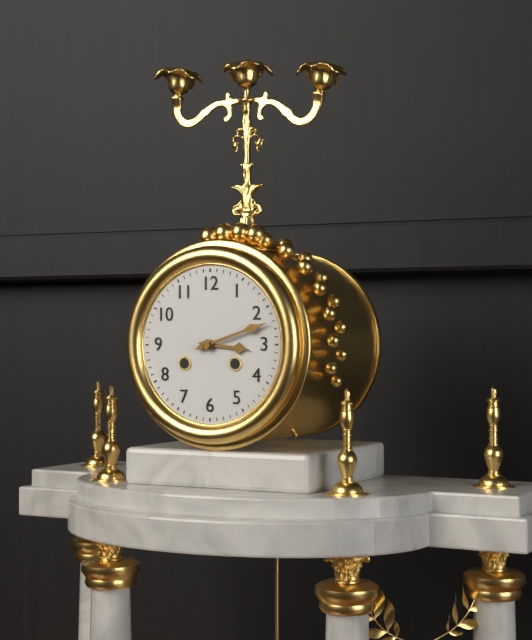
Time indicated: {"hour": 3, "minute": 12}
